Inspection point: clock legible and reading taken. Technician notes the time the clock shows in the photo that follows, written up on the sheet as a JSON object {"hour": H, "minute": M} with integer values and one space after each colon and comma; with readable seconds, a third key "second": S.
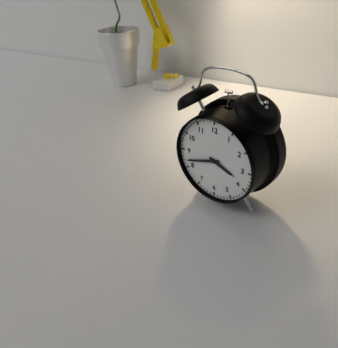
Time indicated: {"hour": 3, "minute": 42}
